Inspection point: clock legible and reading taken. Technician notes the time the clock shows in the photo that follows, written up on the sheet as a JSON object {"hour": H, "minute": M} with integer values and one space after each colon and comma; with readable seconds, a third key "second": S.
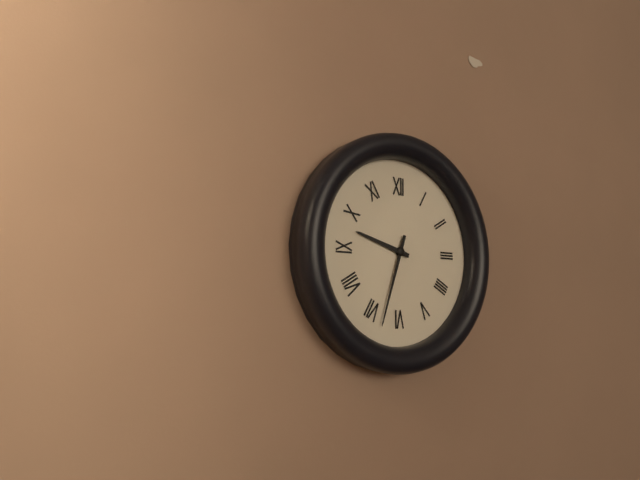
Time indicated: {"hour": 9, "minute": 33}
